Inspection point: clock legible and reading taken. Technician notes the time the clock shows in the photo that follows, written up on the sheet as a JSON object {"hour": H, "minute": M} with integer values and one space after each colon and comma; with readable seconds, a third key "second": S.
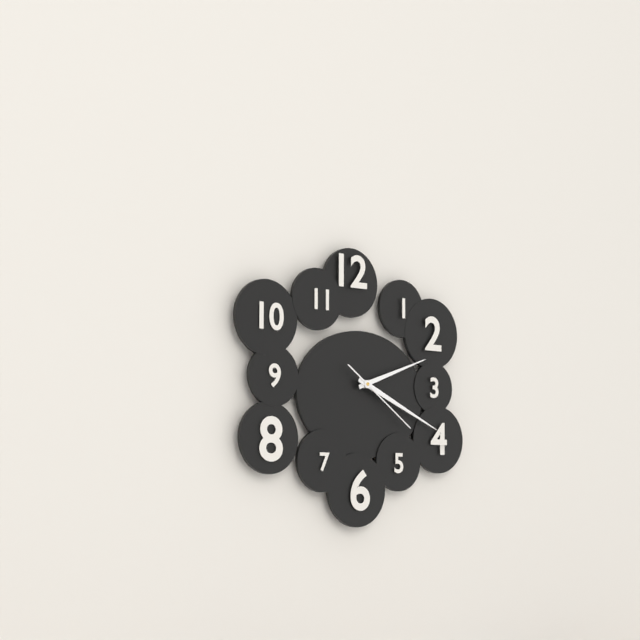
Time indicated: {"hour": 2, "minute": 19, "second": 21}
